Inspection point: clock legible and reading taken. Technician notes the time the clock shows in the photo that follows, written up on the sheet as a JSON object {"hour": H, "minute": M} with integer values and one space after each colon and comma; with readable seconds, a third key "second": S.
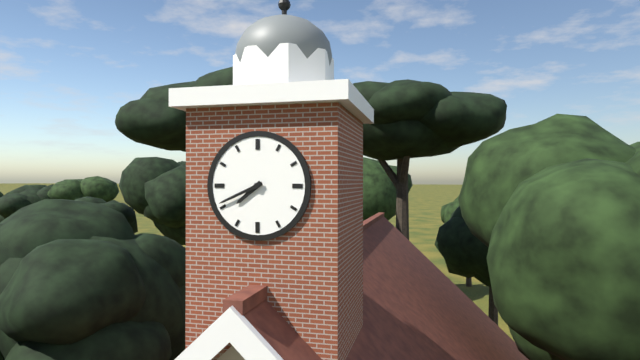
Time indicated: {"hour": 7, "minute": 41}
